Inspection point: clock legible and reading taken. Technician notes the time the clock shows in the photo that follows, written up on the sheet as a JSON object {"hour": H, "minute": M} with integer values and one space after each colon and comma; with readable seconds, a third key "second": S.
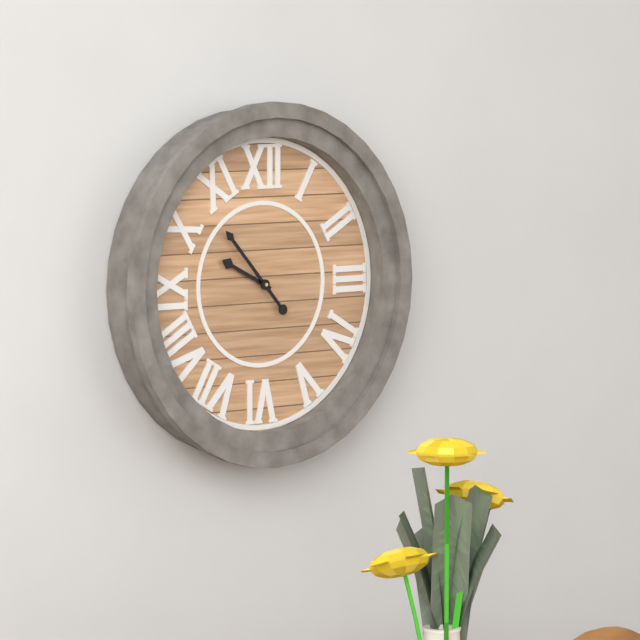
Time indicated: {"hour": 9, "minute": 53}
